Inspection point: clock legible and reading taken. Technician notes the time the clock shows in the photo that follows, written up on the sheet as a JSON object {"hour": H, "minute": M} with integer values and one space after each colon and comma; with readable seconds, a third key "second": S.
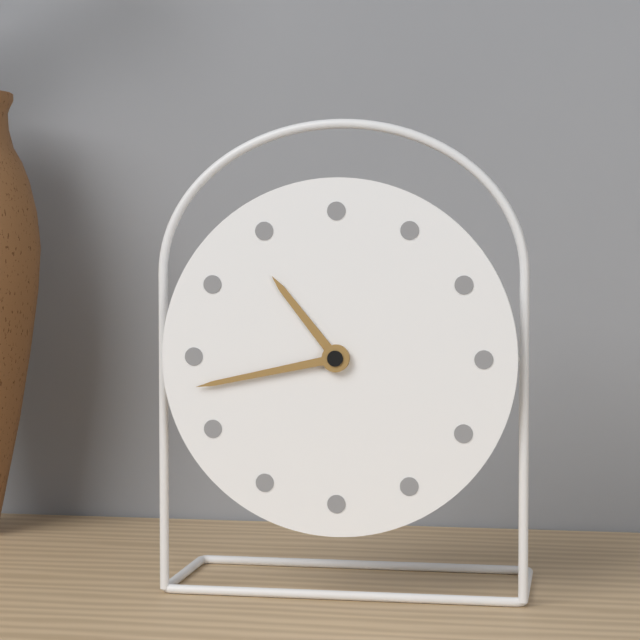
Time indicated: {"hour": 10, "minute": 43}
